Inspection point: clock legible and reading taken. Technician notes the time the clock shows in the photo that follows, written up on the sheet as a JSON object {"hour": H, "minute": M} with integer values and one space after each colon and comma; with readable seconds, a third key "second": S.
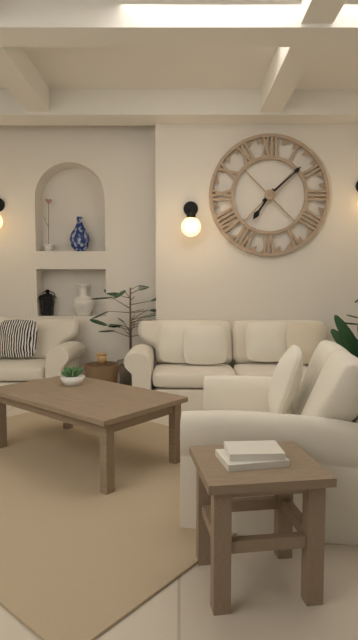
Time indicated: {"hour": 7, "minute": 8}
